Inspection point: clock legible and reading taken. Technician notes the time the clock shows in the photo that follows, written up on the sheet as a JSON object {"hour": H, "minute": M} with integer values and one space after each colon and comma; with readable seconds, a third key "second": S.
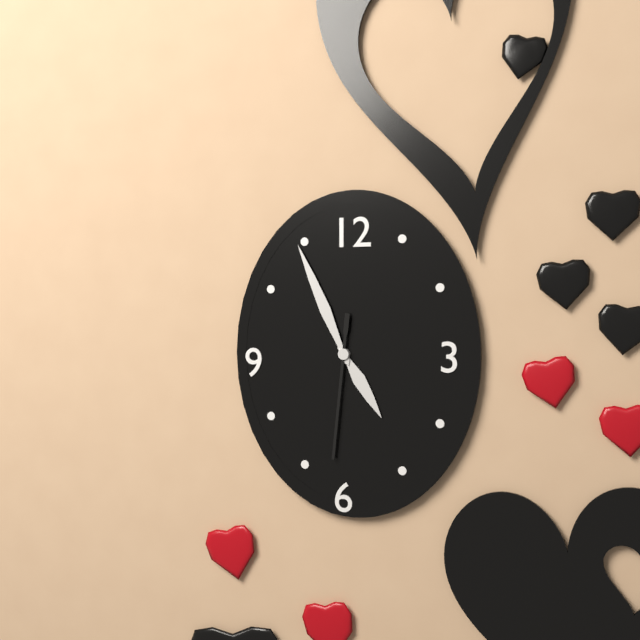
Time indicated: {"hour": 4, "minute": 56, "second": 31}
